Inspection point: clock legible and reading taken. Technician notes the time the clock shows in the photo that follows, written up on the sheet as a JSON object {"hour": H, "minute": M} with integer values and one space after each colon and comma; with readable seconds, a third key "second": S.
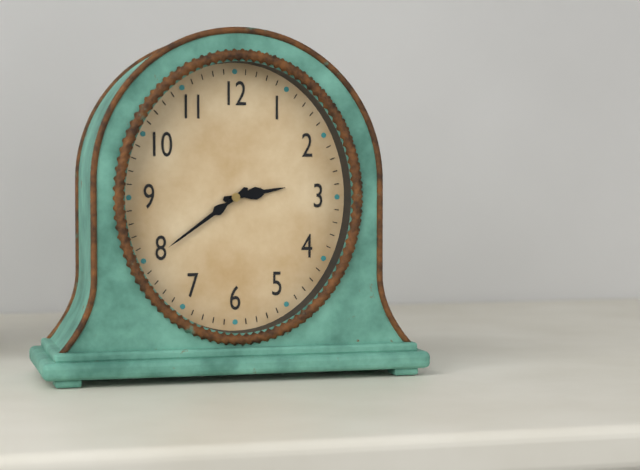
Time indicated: {"hour": 2, "minute": 39}
